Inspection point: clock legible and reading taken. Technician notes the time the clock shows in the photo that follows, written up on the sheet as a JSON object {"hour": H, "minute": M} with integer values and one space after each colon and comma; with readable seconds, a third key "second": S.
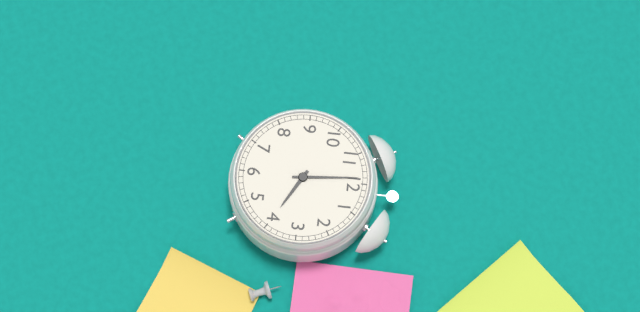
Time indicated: {"hour": 3, "minute": 59}
